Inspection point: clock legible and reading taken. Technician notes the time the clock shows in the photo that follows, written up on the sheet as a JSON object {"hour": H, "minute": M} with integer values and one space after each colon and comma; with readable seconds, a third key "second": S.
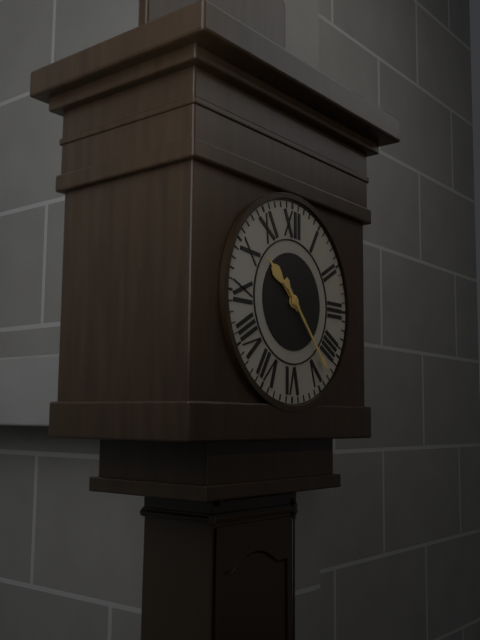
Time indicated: {"hour": 10, "minute": 23}
